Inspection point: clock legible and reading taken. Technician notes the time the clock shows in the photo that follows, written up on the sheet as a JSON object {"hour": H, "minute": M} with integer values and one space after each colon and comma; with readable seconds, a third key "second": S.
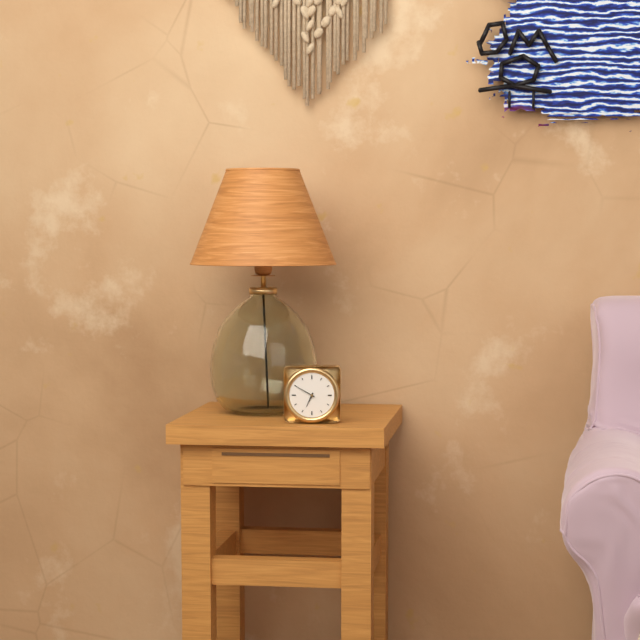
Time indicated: {"hour": 6, "minute": 50}
